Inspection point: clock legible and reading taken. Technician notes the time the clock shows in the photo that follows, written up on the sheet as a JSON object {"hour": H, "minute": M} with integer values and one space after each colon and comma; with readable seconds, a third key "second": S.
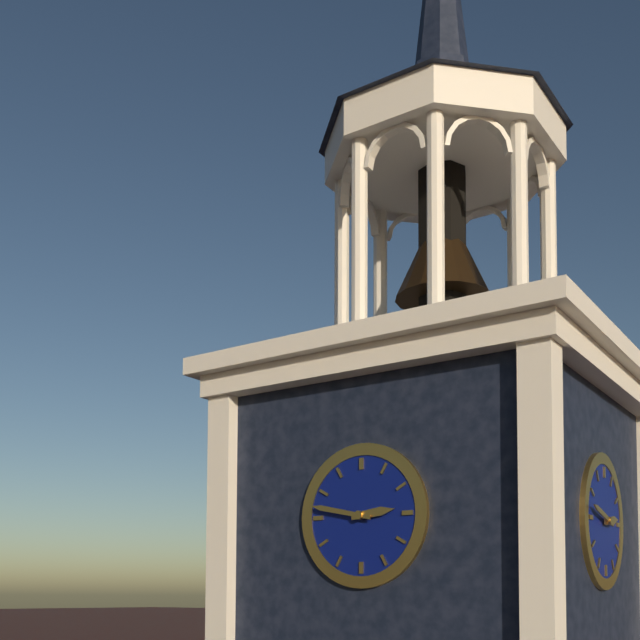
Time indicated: {"hour": 2, "minute": 47}
